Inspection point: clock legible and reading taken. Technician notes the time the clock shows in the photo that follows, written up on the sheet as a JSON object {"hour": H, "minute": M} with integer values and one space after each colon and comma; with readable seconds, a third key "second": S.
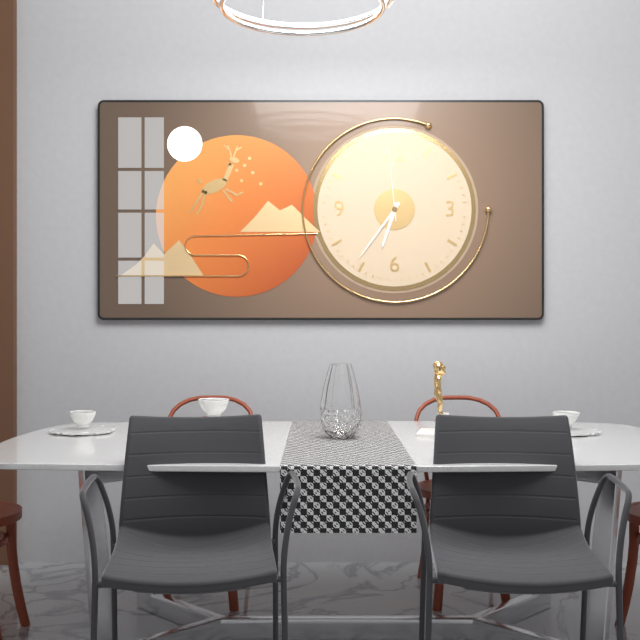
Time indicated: {"hour": 6, "minute": 36, "second": 59}
